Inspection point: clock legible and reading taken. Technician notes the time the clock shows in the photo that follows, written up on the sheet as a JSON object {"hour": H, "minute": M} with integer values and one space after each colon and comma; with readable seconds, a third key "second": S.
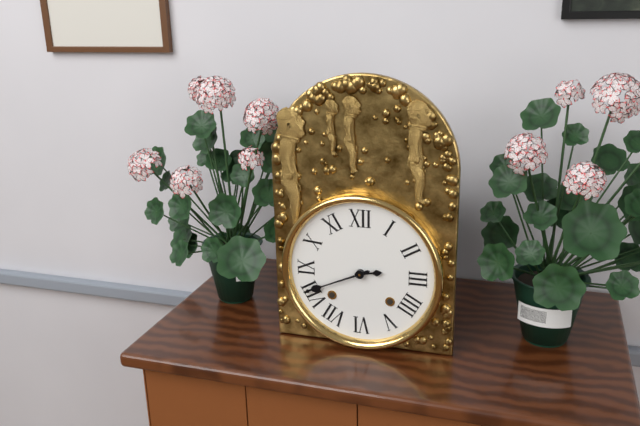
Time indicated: {"hour": 2, "minute": 41}
